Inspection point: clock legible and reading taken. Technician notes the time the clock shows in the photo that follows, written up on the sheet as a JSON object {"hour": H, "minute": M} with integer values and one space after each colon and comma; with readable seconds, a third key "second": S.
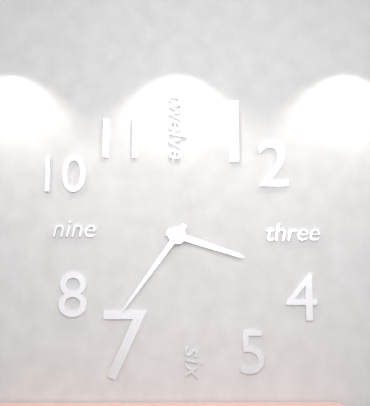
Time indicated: {"hour": 3, "minute": 36}
